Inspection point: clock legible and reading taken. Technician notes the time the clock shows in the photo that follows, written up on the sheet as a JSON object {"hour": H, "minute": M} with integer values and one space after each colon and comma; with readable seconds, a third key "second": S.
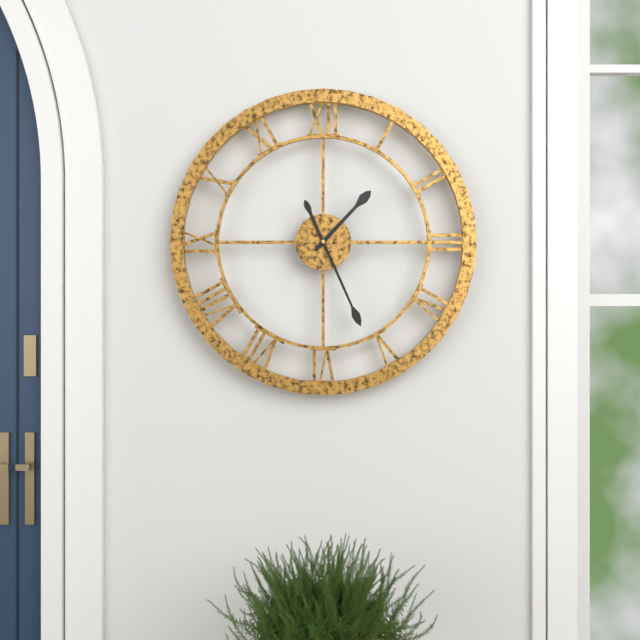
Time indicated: {"hour": 1, "minute": 26}
